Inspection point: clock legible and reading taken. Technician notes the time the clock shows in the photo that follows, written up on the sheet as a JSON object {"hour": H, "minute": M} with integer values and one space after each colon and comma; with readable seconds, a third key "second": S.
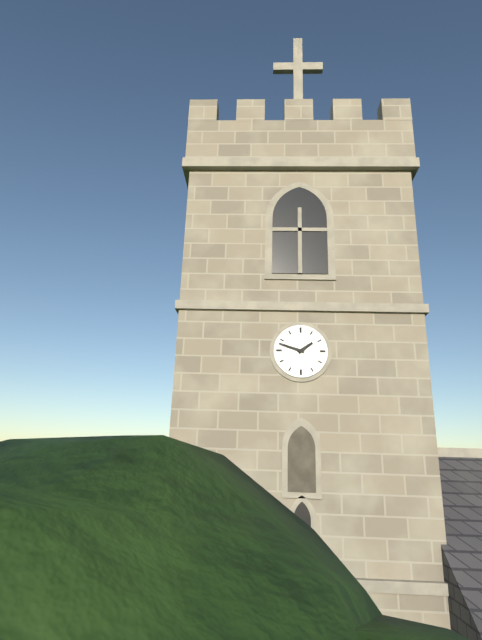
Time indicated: {"hour": 1, "minute": 48}
